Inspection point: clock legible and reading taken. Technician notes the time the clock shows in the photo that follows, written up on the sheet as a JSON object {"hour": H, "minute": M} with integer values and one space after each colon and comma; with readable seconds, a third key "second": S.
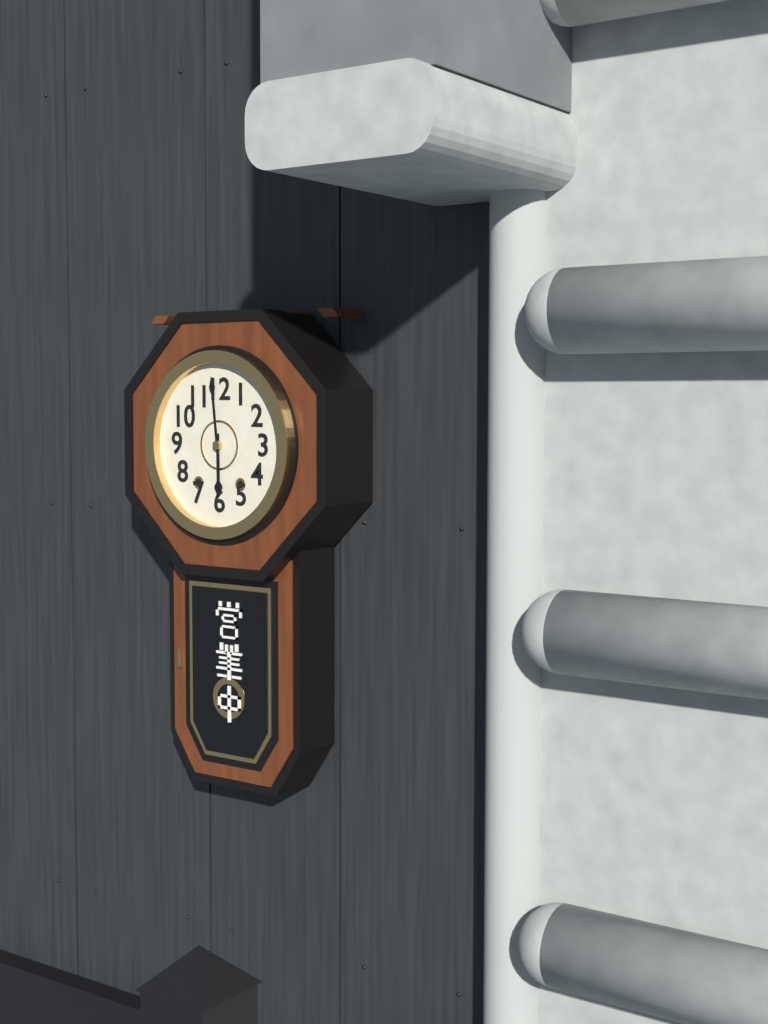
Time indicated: {"hour": 5, "minute": 59}
